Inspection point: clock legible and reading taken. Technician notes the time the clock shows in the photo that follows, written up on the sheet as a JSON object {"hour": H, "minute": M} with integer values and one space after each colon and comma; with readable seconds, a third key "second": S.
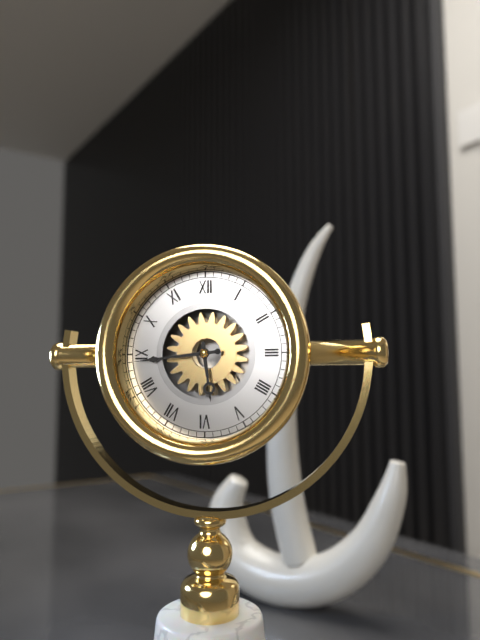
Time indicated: {"hour": 5, "minute": 44}
